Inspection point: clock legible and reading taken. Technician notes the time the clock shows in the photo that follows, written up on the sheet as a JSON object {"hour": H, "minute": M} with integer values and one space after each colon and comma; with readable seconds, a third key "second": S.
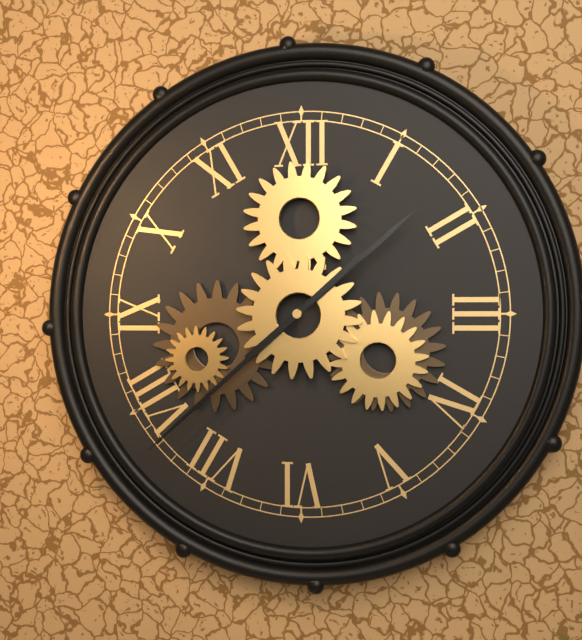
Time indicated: {"hour": 1, "minute": 38}
